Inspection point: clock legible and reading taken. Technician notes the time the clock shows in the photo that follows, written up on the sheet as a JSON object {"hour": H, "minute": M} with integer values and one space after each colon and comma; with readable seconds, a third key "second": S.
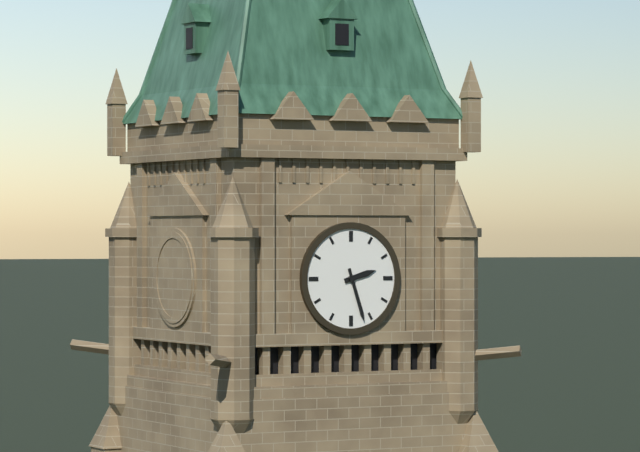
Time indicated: {"hour": 2, "minute": 27}
